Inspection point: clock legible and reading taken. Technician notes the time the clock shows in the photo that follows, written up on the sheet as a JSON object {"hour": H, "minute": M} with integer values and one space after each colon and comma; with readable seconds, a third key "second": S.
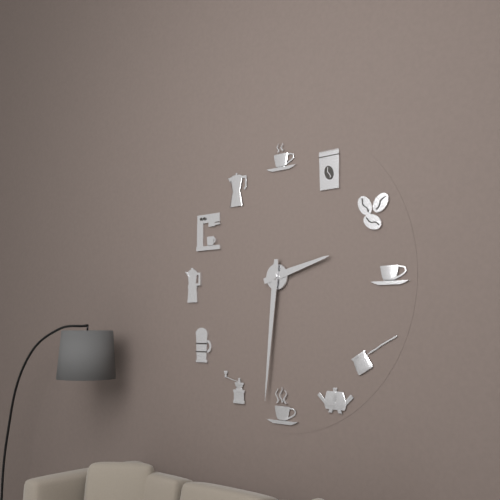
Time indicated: {"hour": 2, "minute": 31}
